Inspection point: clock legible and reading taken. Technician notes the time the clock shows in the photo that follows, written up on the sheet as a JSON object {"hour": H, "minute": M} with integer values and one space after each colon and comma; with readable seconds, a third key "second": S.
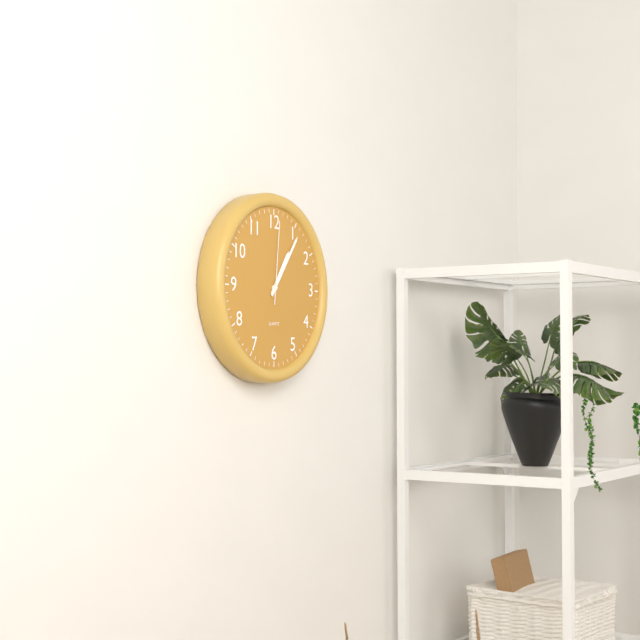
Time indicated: {"hour": 1, "minute": 6, "second": 1}
